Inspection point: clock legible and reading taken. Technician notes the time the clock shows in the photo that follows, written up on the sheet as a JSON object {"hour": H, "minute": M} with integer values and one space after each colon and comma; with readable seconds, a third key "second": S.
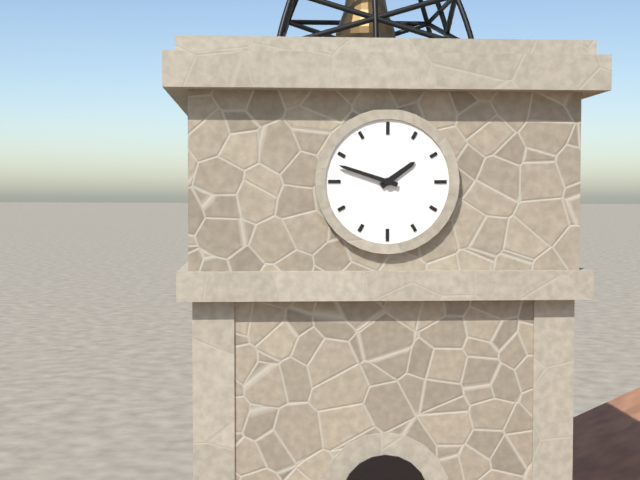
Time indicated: {"hour": 1, "minute": 48}
